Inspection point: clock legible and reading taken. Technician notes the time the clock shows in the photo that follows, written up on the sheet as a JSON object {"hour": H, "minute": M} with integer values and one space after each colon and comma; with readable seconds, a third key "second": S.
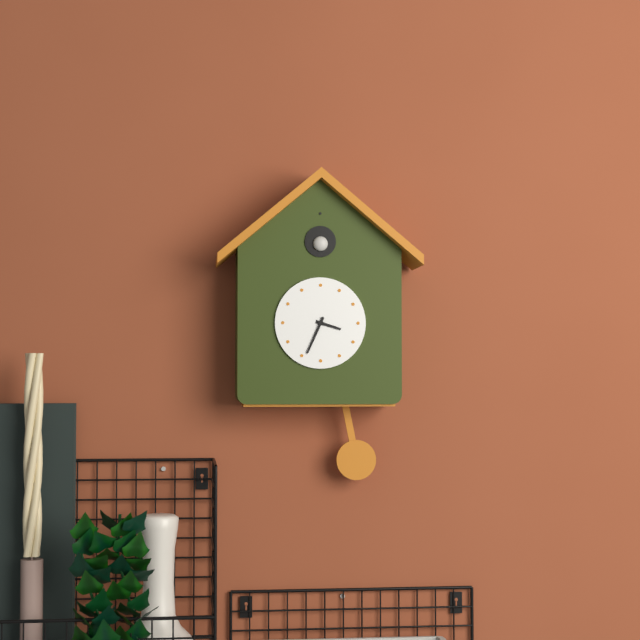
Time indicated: {"hour": 3, "minute": 34}
